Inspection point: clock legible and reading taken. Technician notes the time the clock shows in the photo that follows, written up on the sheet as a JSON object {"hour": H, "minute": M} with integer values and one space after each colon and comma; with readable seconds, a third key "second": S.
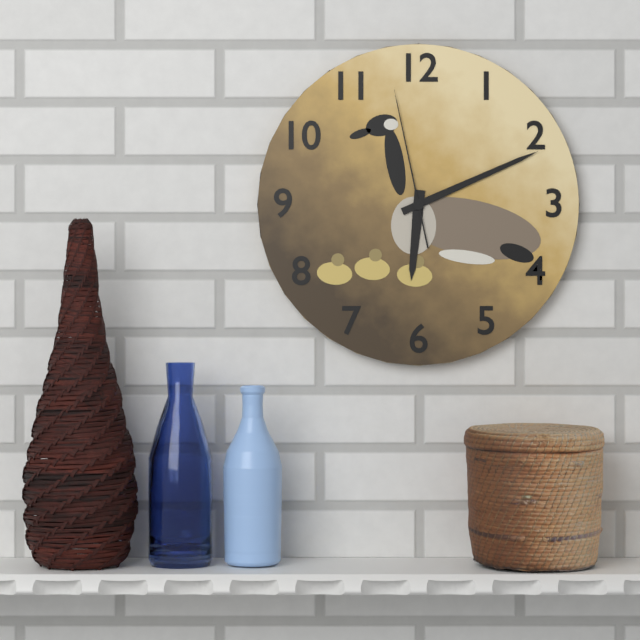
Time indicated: {"hour": 6, "minute": 11, "second": 58}
